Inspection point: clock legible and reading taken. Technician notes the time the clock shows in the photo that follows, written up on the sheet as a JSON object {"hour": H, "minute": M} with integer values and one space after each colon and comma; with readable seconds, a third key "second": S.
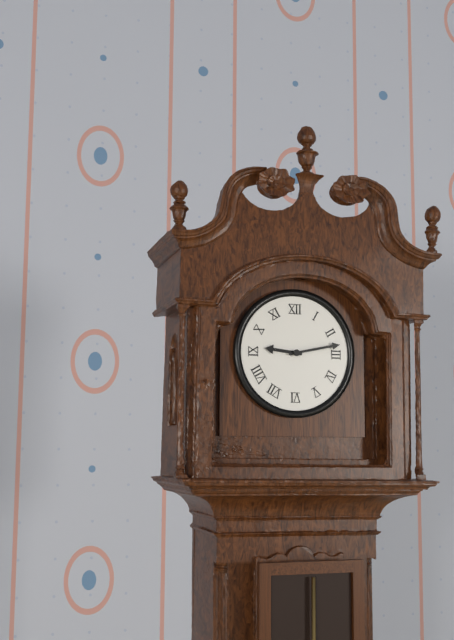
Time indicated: {"hour": 9, "minute": 13}
